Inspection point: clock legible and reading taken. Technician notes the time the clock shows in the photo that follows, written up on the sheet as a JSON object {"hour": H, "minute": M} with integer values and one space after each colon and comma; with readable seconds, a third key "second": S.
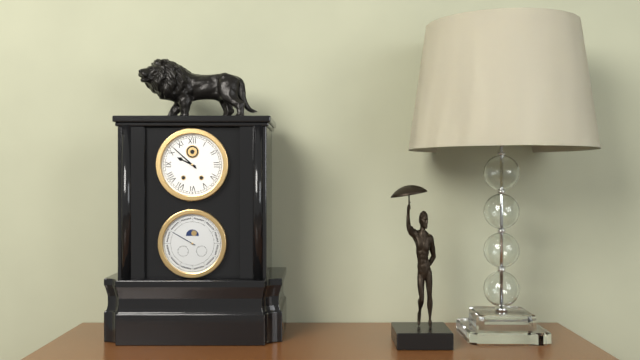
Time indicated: {"hour": 9, "minute": 52}
